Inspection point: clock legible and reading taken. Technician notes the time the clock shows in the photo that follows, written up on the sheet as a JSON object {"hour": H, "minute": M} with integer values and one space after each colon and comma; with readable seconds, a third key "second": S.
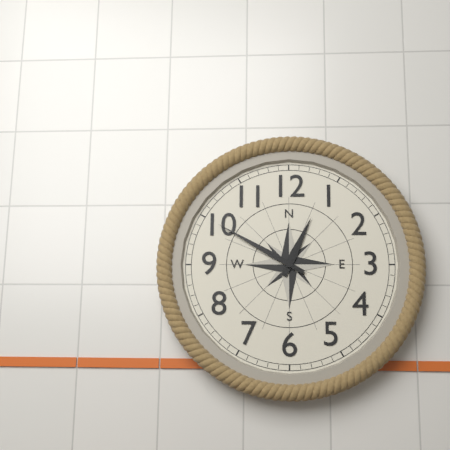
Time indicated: {"hour": 12, "minute": 50}
